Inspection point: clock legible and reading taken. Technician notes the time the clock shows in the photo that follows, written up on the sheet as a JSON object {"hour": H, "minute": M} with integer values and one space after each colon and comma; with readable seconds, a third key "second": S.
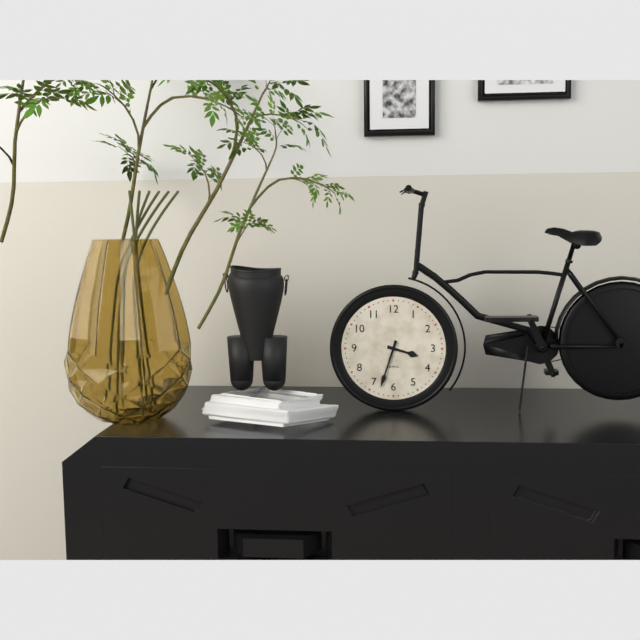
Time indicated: {"hour": 3, "minute": 33}
